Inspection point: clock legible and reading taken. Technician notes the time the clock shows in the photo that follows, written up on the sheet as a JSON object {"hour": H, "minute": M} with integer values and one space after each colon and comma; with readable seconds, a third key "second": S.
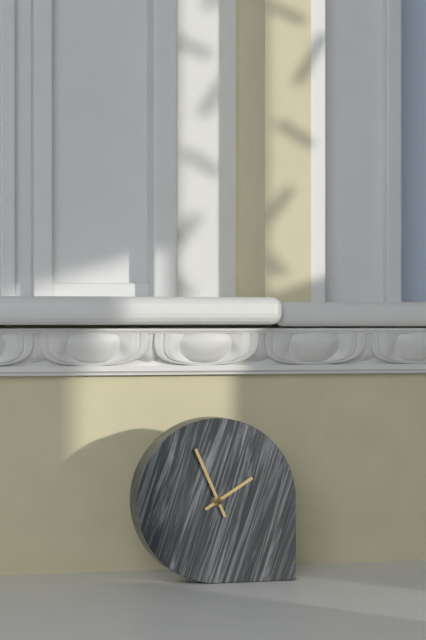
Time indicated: {"hour": 1, "minute": 56}
